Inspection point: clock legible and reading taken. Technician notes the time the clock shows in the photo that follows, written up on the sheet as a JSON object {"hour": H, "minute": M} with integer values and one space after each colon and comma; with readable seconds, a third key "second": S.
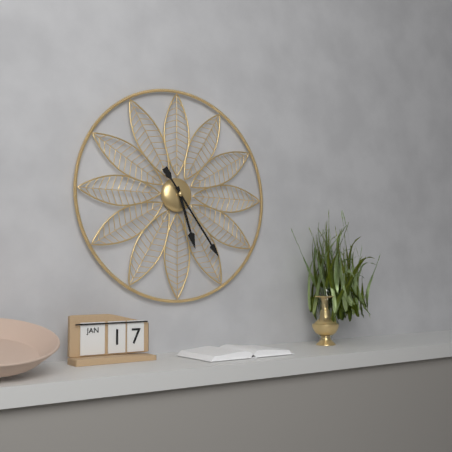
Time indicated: {"hour": 5, "minute": 24}
